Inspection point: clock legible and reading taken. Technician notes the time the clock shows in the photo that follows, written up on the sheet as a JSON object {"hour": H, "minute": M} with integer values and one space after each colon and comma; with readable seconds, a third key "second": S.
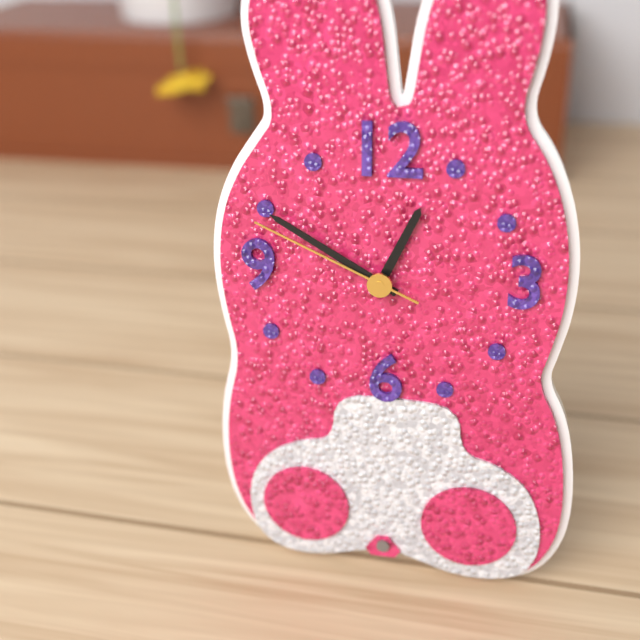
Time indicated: {"hour": 12, "minute": 50, "second": 49}
